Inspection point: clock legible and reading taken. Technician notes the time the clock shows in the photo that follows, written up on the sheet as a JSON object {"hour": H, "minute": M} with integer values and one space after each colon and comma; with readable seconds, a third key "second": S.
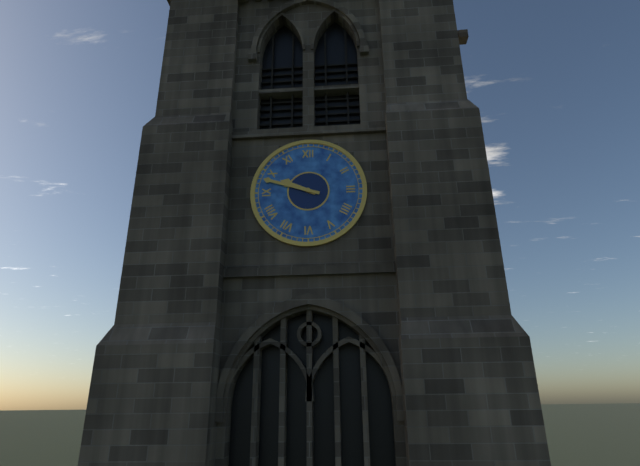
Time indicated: {"hour": 9, "minute": 48}
